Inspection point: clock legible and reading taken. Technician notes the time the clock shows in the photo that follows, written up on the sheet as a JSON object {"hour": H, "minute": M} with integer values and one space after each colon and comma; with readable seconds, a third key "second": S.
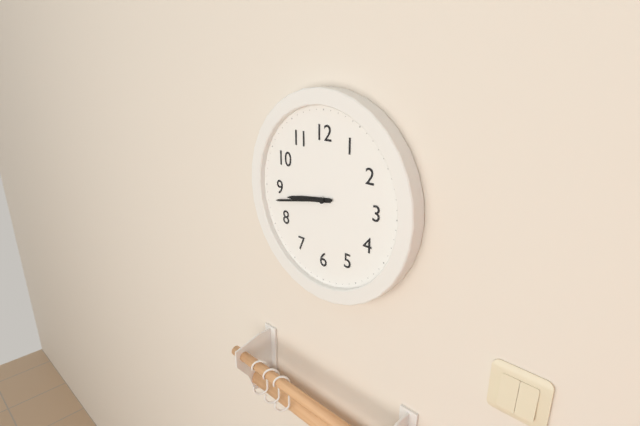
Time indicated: {"hour": 8, "minute": 43}
